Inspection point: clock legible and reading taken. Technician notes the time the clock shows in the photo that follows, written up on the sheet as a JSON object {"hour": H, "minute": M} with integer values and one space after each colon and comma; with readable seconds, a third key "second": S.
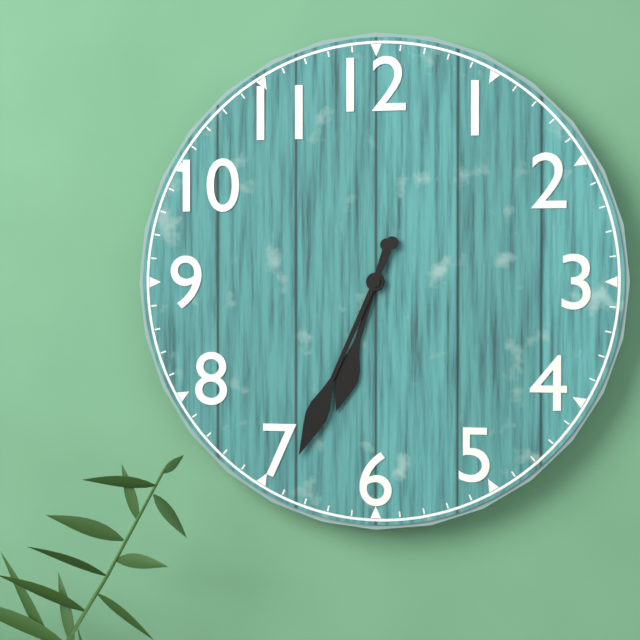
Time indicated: {"hour": 6, "minute": 34}
